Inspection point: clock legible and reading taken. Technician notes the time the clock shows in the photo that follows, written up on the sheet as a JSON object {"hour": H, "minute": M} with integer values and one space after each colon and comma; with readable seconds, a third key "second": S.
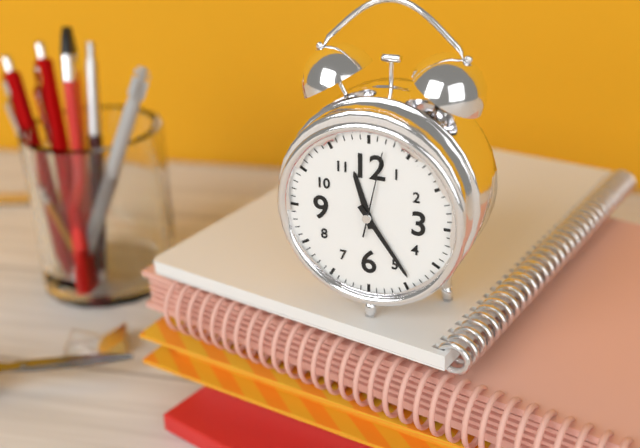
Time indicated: {"hour": 11, "minute": 24, "second": 2}
